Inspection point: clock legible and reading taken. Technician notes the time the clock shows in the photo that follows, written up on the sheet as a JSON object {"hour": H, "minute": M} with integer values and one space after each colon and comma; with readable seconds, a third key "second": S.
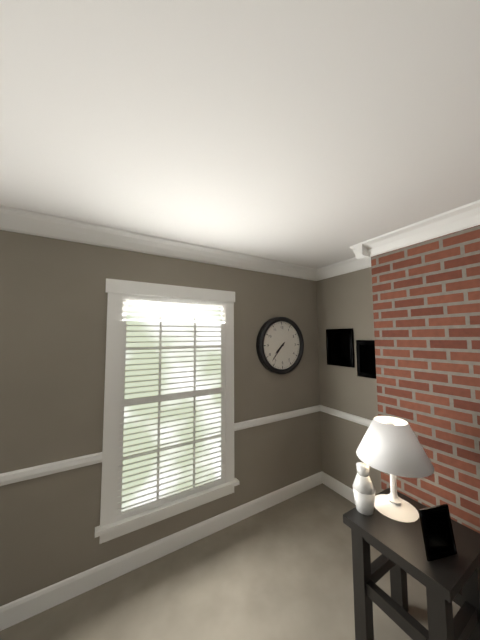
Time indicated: {"hour": 7, "minute": 37}
